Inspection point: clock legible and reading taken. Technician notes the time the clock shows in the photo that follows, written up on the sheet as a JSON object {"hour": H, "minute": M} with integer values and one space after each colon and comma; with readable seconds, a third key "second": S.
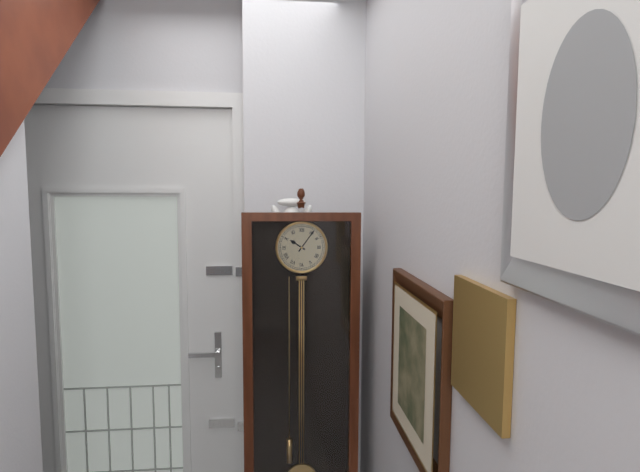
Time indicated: {"hour": 10, "minute": 6}
